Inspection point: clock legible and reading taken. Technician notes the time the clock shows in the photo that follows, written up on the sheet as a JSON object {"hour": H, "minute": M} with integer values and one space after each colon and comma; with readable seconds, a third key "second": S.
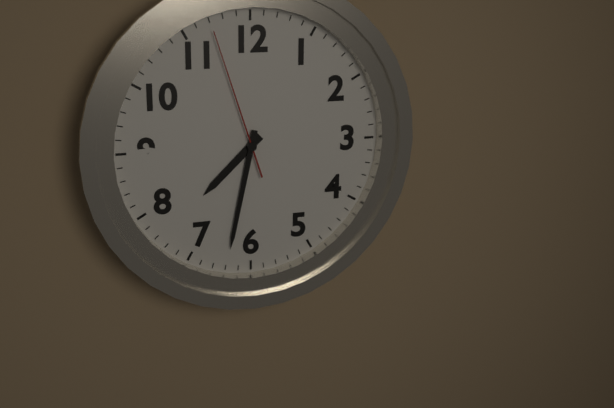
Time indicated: {"hour": 7, "minute": 32, "second": 57}
